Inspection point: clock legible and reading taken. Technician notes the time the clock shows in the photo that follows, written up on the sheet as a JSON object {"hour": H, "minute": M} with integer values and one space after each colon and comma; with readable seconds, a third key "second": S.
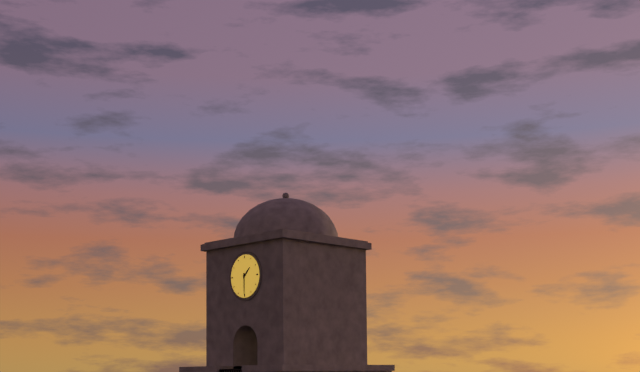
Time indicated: {"hour": 1, "minute": 30}
